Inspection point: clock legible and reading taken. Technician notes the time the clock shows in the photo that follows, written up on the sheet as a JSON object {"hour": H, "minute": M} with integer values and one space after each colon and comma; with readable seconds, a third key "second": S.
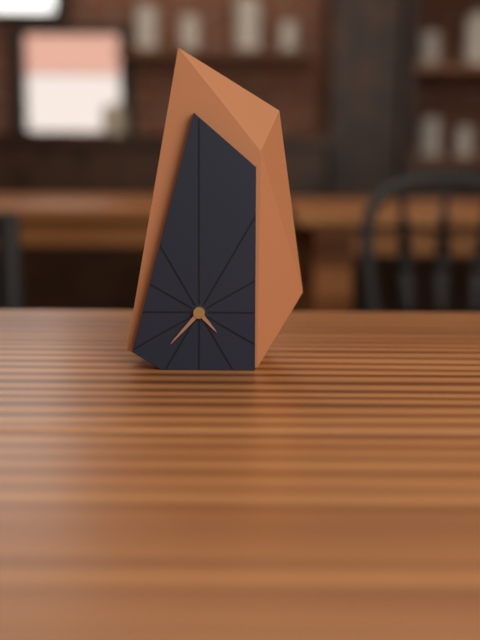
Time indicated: {"hour": 4, "minute": 37}
